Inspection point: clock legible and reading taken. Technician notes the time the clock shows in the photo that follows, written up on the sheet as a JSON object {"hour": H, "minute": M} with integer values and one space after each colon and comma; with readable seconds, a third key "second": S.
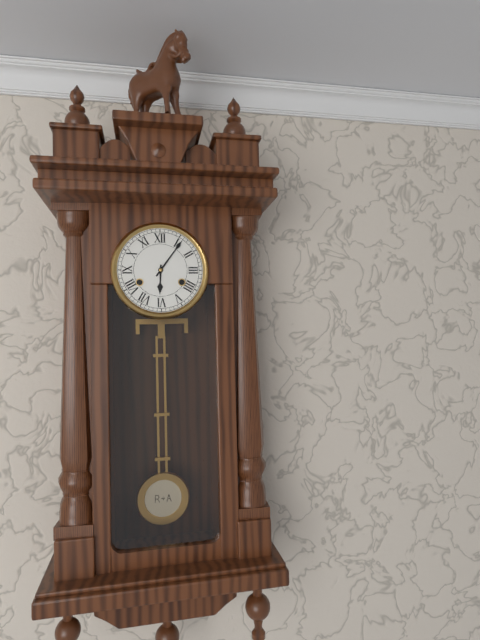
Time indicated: {"hour": 6, "minute": 6}
